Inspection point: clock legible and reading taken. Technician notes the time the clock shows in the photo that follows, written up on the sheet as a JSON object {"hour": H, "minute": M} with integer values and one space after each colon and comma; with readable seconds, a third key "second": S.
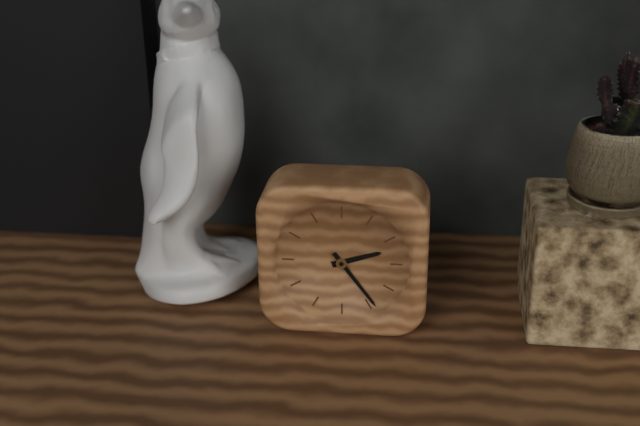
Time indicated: {"hour": 2, "minute": 24}
